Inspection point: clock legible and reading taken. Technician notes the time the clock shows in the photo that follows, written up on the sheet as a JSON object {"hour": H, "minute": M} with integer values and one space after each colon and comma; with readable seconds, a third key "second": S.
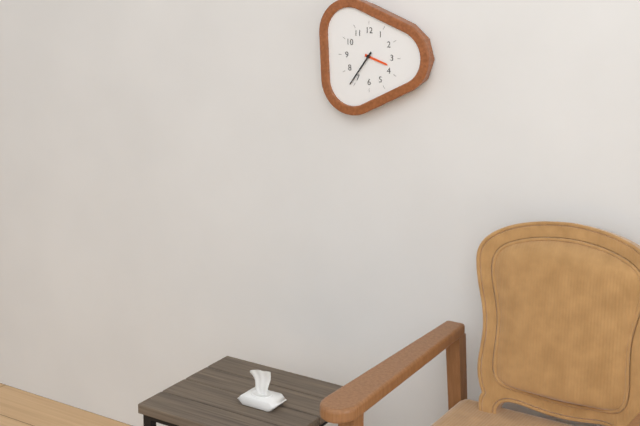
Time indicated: {"hour": 3, "minute": 36}
